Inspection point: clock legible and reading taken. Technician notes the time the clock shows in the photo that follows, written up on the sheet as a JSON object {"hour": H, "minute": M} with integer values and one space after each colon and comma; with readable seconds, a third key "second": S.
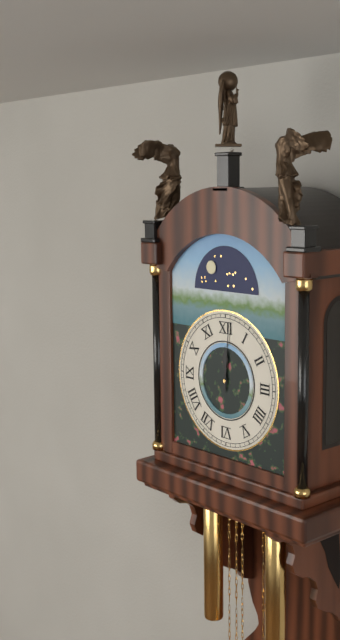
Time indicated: {"hour": 12, "minute": 1}
